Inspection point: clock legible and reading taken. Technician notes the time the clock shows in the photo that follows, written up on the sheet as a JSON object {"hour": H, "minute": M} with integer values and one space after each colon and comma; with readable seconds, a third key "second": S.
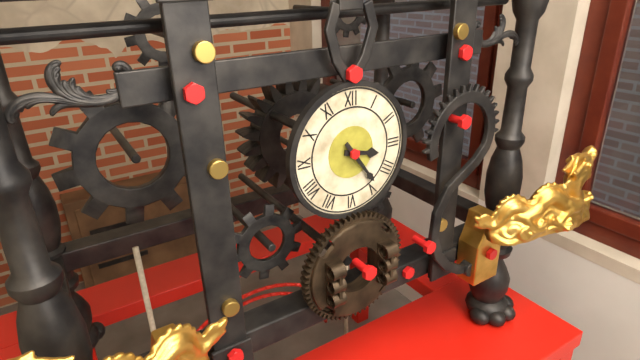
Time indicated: {"hour": 3, "minute": 24}
